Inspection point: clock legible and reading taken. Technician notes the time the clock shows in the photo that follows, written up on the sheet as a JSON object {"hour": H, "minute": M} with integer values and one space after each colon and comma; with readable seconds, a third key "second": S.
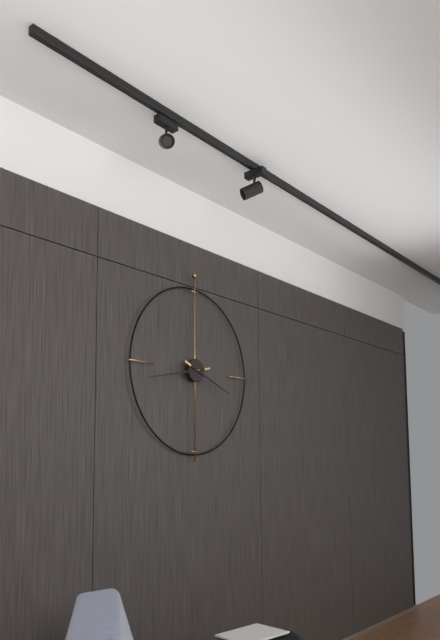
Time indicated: {"hour": 3, "minute": 43}
